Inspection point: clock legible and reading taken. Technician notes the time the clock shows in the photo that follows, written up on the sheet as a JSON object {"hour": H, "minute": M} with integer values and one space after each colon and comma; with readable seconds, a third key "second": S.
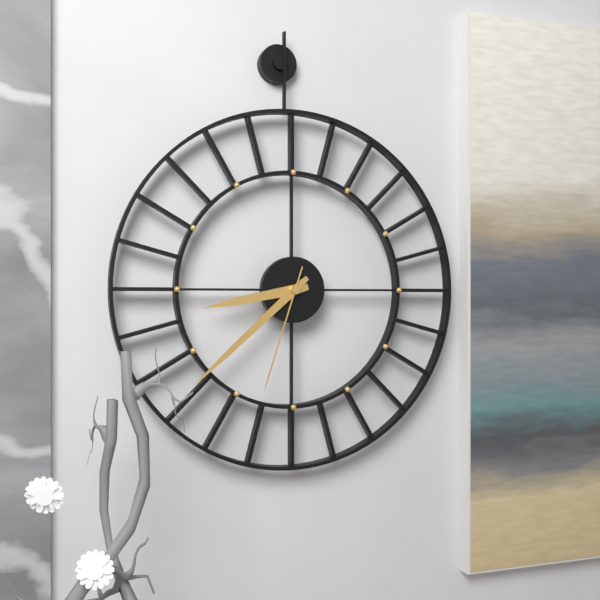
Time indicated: {"hour": 8, "minute": 38, "second": 33}
